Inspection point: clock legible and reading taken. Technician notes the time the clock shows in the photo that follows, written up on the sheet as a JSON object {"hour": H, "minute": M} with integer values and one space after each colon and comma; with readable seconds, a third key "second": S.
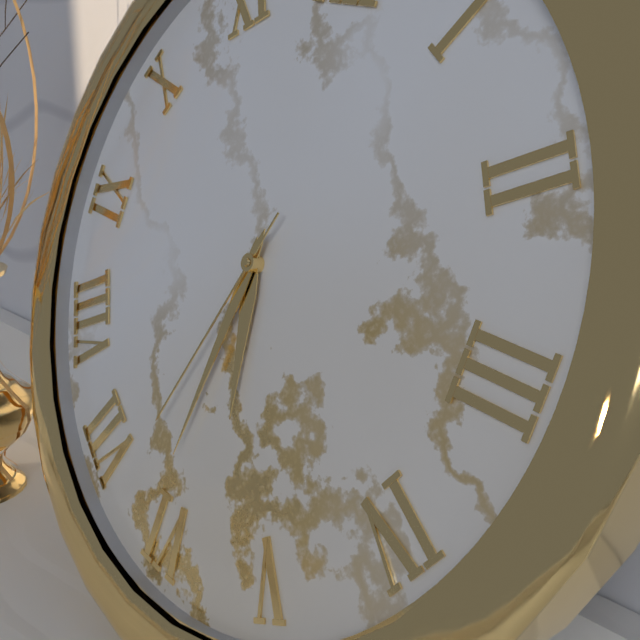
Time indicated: {"hour": 5, "minute": 31, "second": 33}
